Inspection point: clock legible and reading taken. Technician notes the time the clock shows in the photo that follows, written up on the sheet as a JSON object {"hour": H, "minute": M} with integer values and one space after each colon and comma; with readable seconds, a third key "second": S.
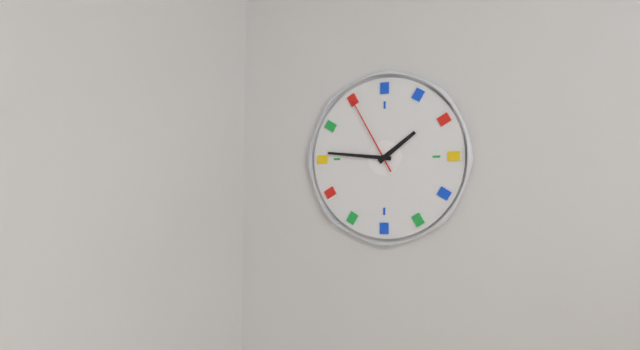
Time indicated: {"hour": 1, "minute": 46, "second": 55}
